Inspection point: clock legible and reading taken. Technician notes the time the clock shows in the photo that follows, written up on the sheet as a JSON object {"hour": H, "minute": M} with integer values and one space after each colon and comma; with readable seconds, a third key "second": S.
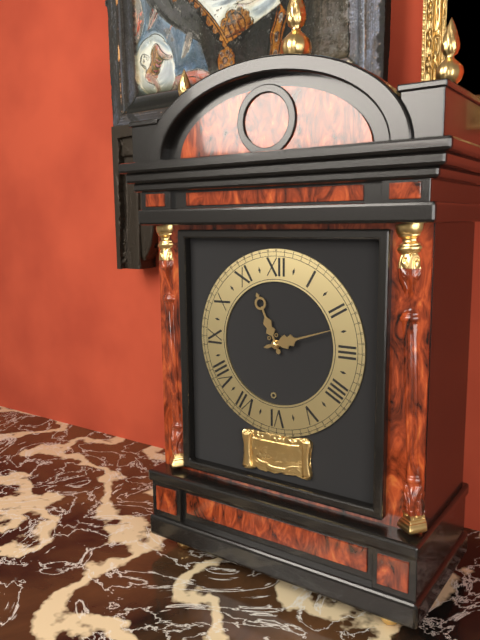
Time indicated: {"hour": 11, "minute": 12}
